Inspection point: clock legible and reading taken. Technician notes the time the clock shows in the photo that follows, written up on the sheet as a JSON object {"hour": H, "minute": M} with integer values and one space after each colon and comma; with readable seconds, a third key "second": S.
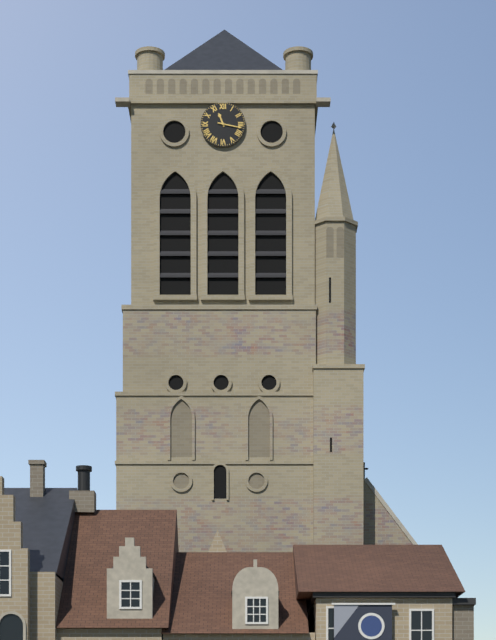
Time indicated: {"hour": 11, "minute": 17}
